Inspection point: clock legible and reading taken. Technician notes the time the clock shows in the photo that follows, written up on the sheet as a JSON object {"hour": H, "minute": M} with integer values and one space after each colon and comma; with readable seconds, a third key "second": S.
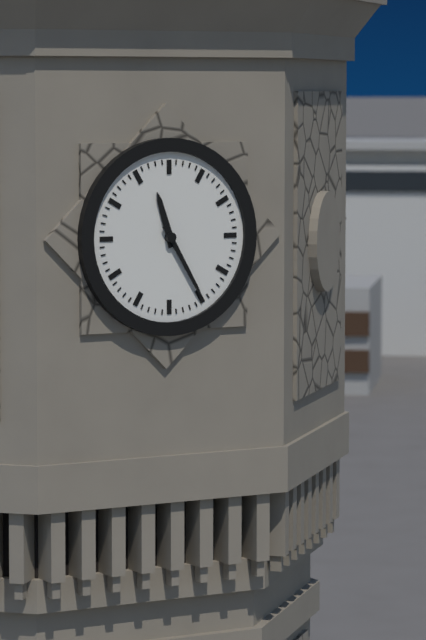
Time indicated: {"hour": 11, "minute": 25}
